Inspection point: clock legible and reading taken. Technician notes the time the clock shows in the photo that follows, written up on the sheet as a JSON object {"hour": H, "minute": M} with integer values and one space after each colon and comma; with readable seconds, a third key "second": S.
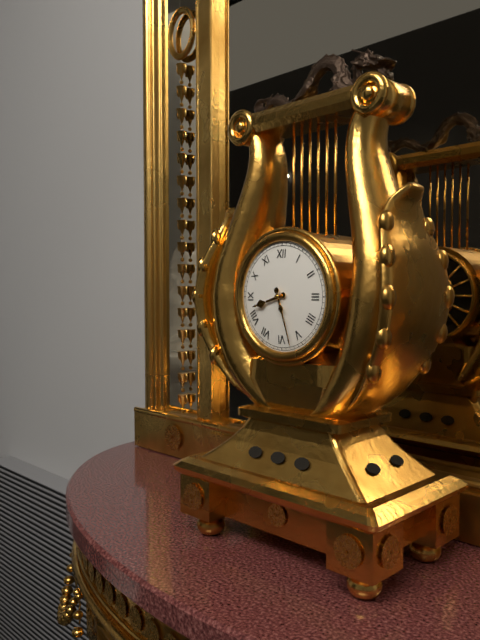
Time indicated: {"hour": 8, "minute": 27}
